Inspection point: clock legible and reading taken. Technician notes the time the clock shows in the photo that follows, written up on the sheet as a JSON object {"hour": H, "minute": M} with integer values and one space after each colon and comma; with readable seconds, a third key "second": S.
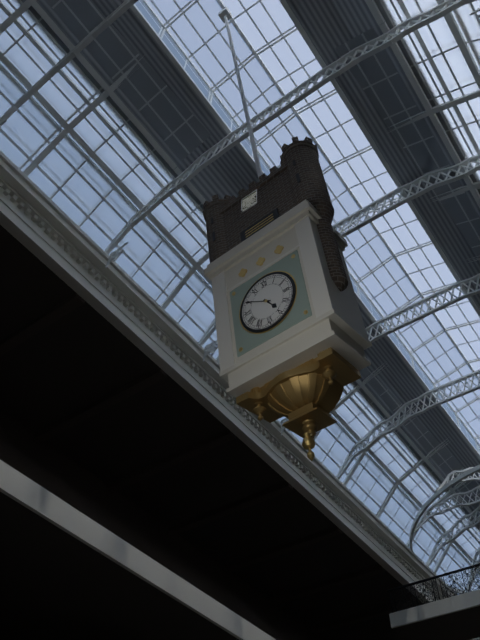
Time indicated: {"hour": 4, "minute": 50}
